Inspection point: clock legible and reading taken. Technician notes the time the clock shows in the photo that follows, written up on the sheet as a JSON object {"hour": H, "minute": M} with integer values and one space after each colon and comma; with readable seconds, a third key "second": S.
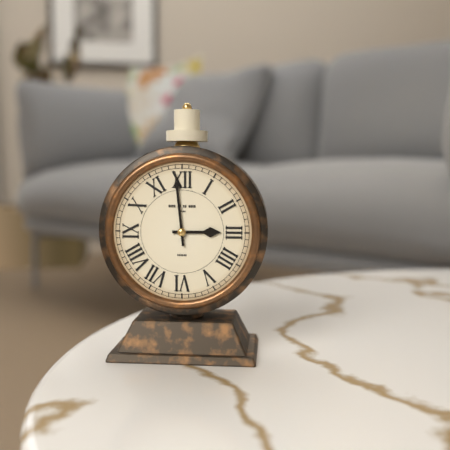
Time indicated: {"hour": 2, "minute": 59}
